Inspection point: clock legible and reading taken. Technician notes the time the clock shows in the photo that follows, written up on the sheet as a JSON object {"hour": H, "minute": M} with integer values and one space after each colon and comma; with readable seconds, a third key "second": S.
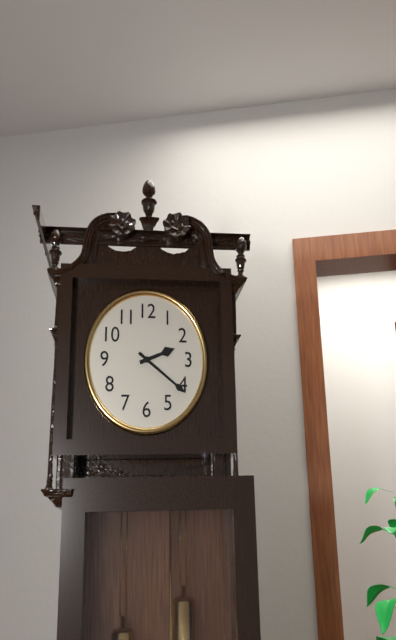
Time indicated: {"hour": 2, "minute": 21}
